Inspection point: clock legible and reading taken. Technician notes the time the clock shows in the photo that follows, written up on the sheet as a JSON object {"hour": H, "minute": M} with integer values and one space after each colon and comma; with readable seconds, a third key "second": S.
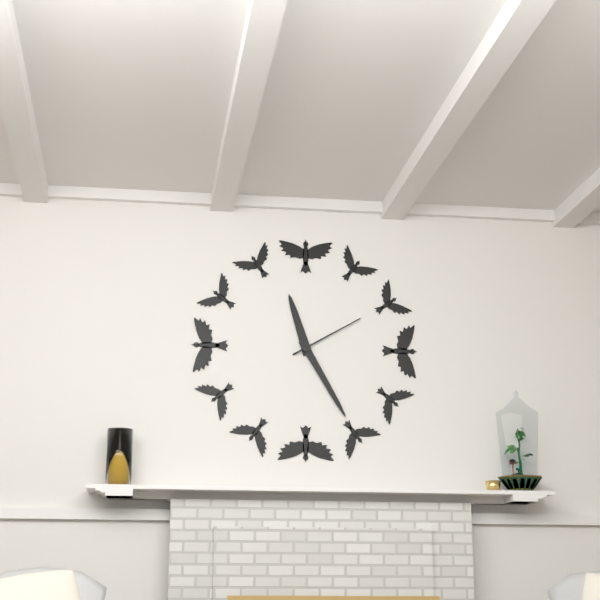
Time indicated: {"hour": 11, "minute": 25, "second": 10}
